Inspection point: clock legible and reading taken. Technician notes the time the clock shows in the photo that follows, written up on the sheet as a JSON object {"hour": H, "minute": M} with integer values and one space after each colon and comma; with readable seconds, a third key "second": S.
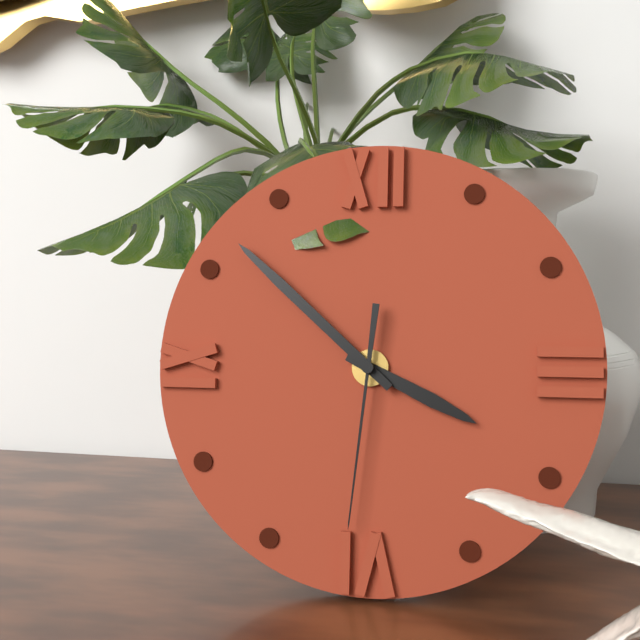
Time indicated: {"hour": 3, "minute": 52, "second": 31}
